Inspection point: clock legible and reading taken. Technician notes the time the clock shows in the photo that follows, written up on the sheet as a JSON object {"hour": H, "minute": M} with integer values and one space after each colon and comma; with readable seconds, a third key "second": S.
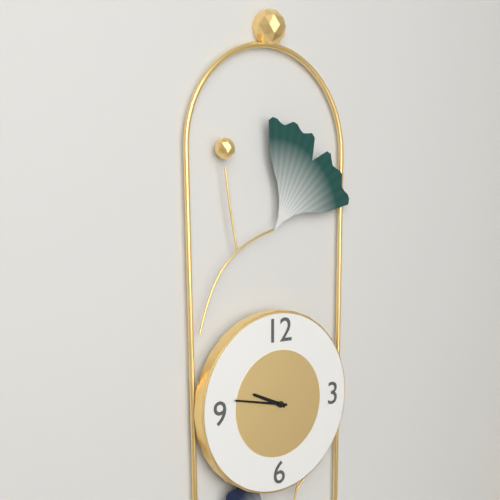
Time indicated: {"hour": 9, "minute": 47}
